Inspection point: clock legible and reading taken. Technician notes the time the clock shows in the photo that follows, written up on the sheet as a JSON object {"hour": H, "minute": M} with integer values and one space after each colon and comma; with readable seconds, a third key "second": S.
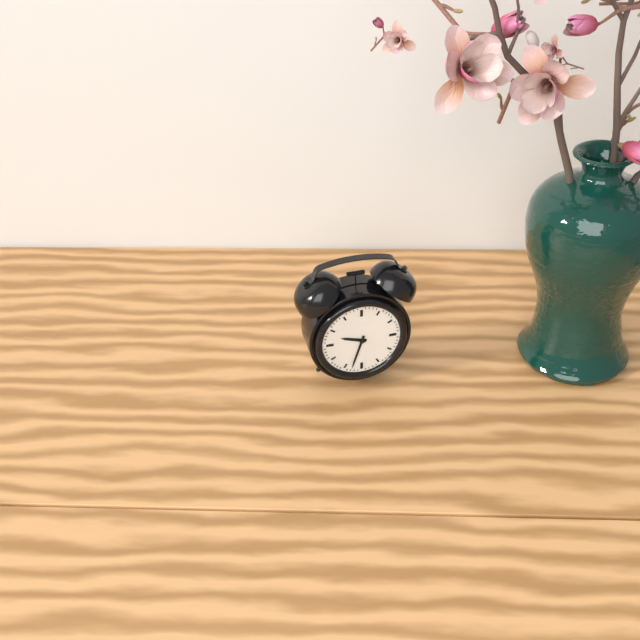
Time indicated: {"hour": 9, "minute": 33}
